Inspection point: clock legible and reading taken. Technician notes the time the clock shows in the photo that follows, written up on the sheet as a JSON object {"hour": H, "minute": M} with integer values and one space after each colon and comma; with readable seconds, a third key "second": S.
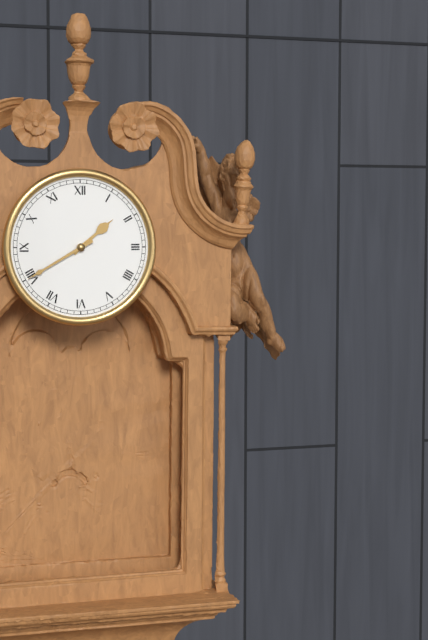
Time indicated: {"hour": 1, "minute": 40}
